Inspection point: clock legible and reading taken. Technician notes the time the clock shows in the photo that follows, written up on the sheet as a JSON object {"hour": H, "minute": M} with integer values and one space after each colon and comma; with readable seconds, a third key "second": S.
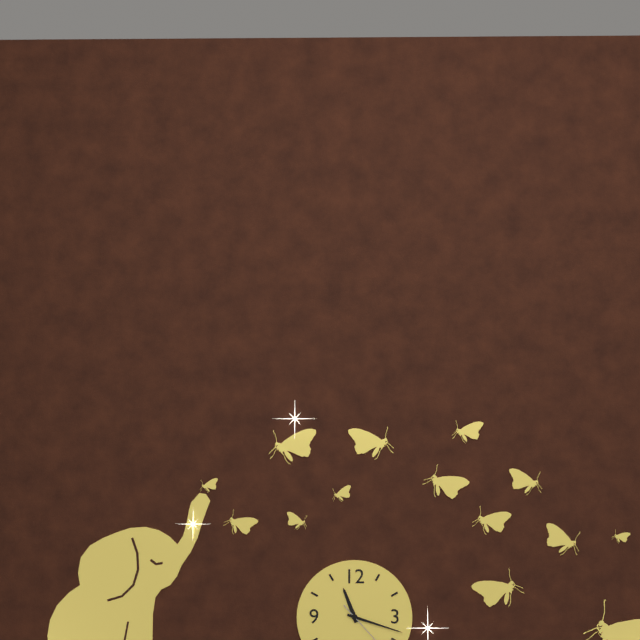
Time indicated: {"hour": 11, "minute": 18}
